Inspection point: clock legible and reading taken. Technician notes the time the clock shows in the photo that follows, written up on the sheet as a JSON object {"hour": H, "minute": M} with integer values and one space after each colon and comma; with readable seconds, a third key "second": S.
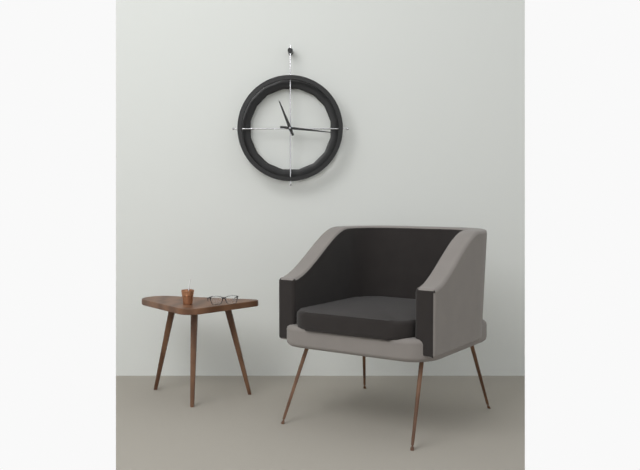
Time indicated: {"hour": 11, "minute": 16}
